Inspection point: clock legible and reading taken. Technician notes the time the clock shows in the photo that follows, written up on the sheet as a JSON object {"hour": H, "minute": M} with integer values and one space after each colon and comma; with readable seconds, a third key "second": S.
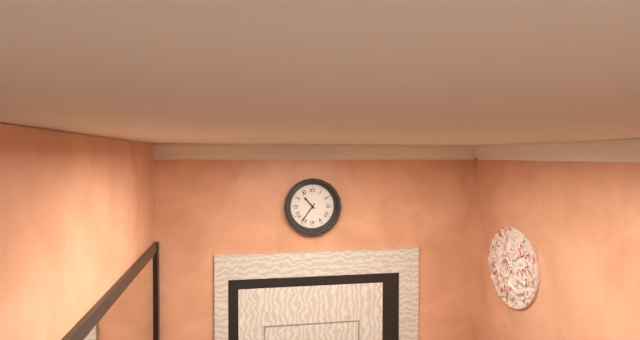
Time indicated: {"hour": 10, "minute": 36}
